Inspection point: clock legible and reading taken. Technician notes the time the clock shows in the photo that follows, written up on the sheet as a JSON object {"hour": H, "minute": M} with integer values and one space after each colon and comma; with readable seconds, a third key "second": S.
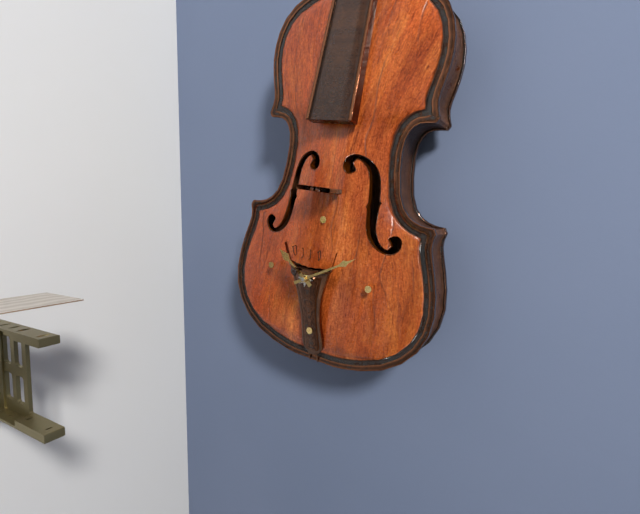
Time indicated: {"hour": 10, "minute": 10}
